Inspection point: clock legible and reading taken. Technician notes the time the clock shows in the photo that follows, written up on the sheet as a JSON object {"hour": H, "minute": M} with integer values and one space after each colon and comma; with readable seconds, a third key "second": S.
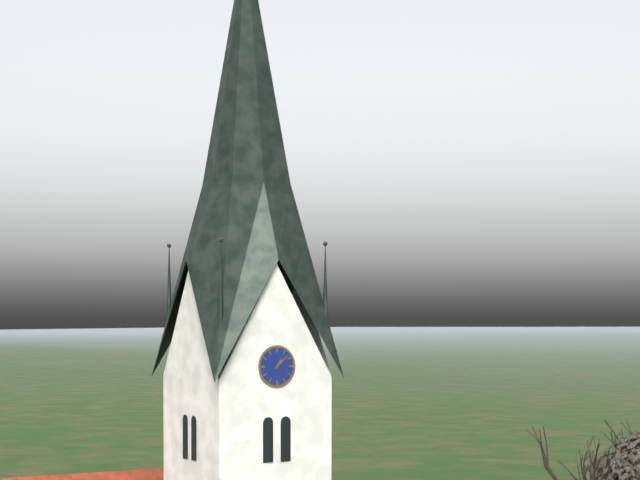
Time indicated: {"hour": 1, "minute": 8}
